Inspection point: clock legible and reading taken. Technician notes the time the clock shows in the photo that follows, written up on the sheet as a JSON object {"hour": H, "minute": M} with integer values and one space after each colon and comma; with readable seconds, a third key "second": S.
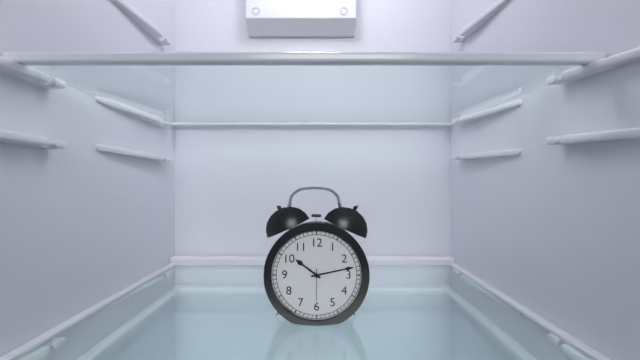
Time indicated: {"hour": 10, "minute": 13}
